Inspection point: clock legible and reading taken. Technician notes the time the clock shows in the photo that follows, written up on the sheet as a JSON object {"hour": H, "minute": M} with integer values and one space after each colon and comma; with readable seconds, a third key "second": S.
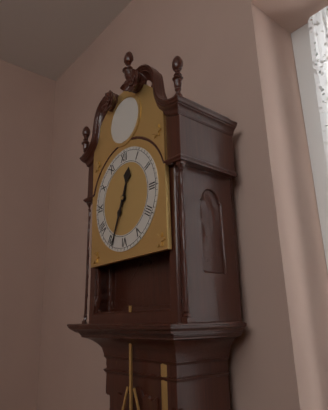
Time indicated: {"hour": 12, "minute": 34}
